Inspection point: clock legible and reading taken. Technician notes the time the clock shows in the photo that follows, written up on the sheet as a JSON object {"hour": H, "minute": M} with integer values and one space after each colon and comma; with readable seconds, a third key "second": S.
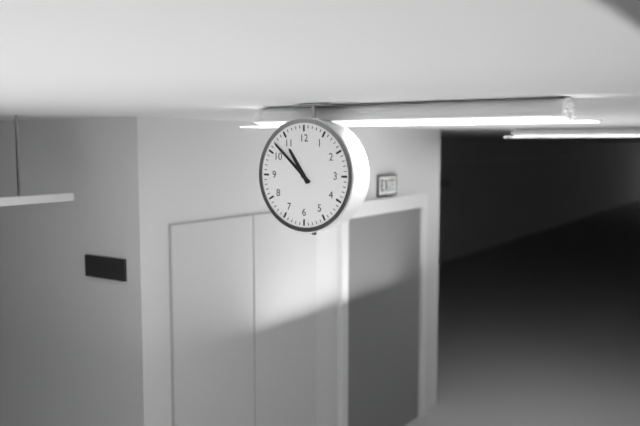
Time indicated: {"hour": 10, "minute": 52}
